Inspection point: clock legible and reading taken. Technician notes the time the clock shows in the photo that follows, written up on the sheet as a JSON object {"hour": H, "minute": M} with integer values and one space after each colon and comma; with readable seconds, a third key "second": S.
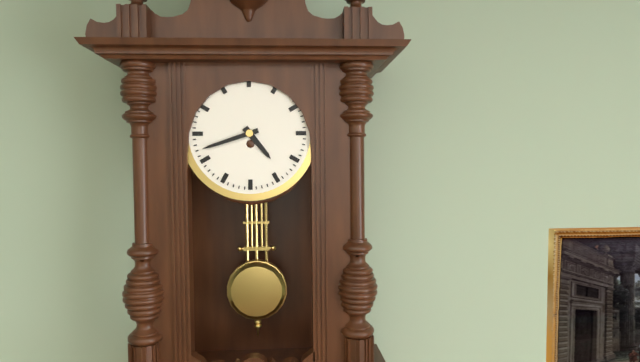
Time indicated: {"hour": 4, "minute": 42}
